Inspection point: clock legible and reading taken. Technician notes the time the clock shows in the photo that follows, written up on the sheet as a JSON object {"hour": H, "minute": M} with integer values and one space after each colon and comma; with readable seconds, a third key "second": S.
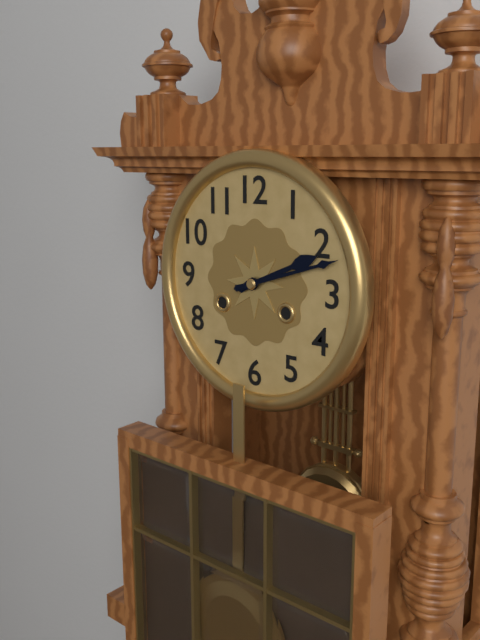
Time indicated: {"hour": 2, "minute": 12}
